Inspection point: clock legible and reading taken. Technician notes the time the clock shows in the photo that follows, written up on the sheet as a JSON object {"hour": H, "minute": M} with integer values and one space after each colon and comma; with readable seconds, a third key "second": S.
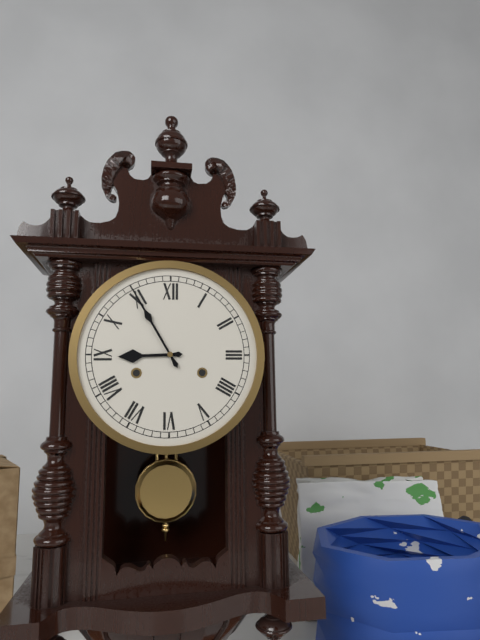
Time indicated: {"hour": 8, "minute": 55}
